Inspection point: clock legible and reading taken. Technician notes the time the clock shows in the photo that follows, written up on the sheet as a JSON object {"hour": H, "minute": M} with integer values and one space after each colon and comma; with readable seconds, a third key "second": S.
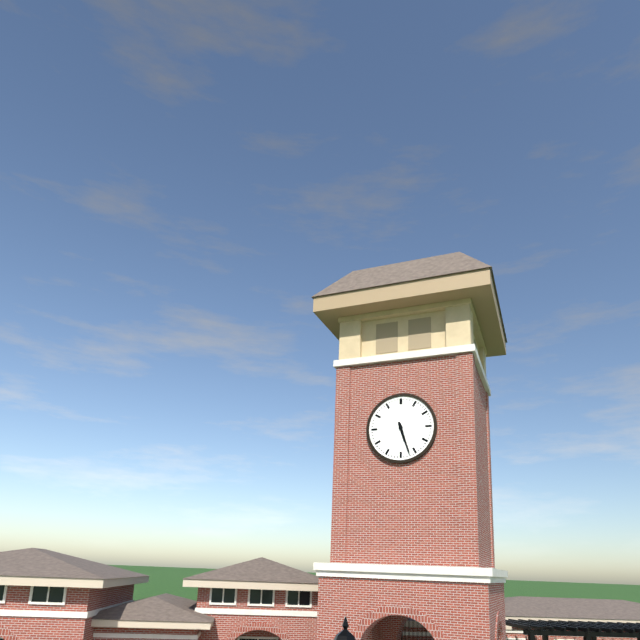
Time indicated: {"hour": 5, "minute": 27}
